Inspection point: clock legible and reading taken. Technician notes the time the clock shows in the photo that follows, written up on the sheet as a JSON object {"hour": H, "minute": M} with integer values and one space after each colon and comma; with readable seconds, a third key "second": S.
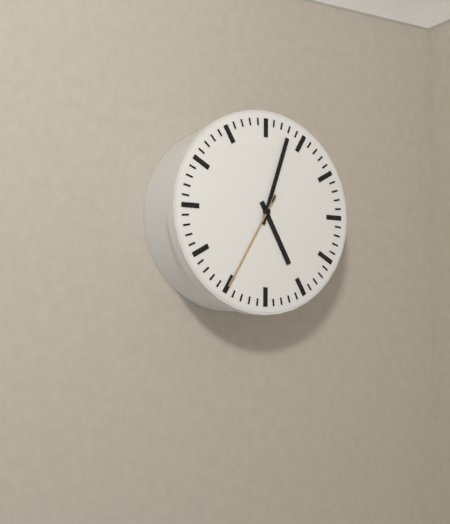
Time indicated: {"hour": 5, "minute": 3, "second": 35}
